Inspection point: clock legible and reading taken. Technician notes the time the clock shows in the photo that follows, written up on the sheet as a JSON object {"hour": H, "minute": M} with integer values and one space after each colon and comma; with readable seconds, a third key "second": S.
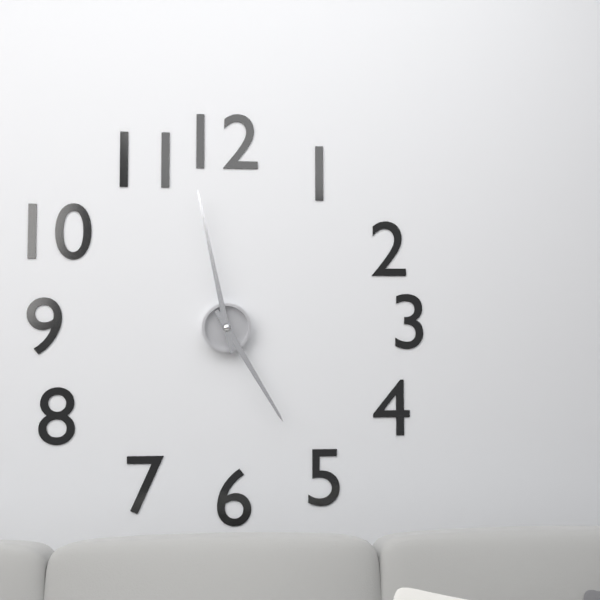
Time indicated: {"hour": 4, "minute": 58}
